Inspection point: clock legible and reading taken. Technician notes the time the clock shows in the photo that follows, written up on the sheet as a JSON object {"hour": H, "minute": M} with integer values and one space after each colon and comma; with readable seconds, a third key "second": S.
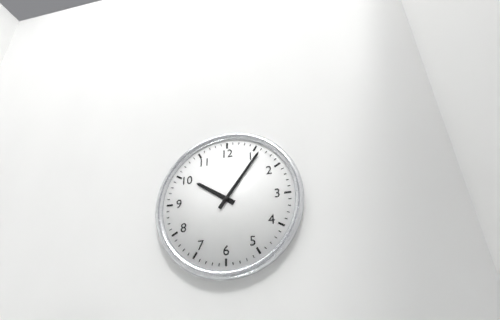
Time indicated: {"hour": 10, "minute": 6}
